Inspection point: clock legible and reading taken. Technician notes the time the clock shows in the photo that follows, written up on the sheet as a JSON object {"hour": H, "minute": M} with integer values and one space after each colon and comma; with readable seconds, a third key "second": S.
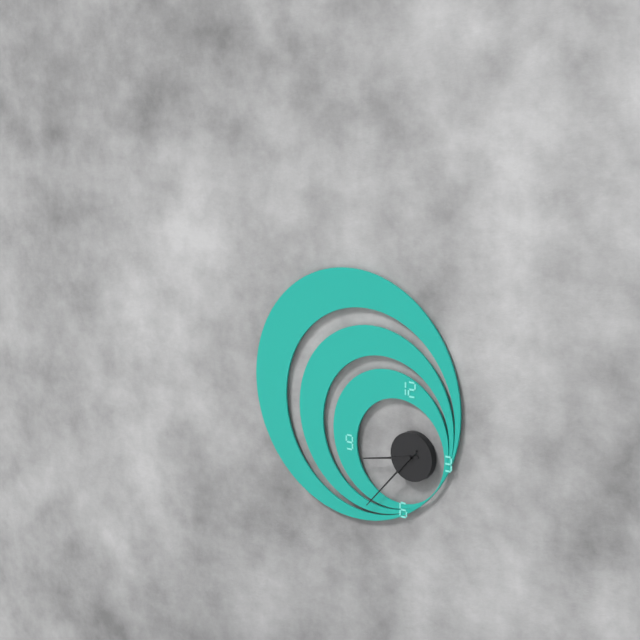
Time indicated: {"hour": 8, "minute": 37}
